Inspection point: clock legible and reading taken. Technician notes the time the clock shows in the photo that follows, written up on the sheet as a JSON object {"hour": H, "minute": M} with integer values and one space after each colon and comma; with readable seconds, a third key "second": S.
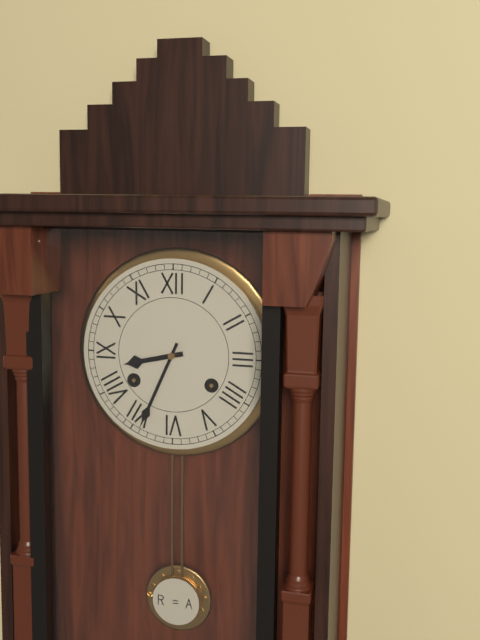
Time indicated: {"hour": 8, "minute": 34}
